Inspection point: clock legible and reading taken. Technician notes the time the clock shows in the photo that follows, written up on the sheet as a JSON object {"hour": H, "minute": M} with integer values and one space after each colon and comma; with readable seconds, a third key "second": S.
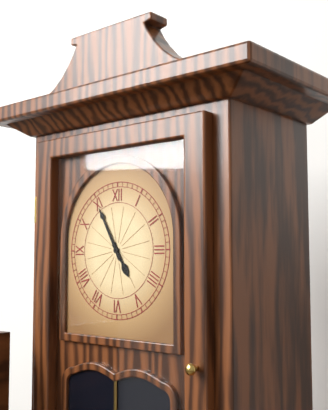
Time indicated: {"hour": 4, "minute": 55}
